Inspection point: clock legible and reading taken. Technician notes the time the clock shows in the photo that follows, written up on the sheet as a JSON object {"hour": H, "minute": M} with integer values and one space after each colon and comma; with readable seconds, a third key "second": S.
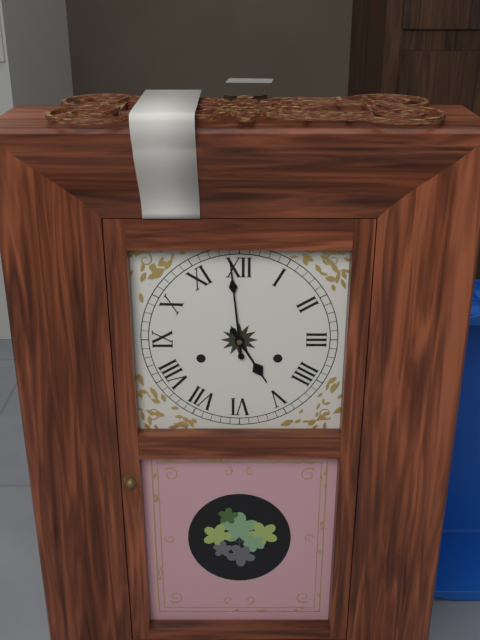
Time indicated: {"hour": 4, "minute": 59}
